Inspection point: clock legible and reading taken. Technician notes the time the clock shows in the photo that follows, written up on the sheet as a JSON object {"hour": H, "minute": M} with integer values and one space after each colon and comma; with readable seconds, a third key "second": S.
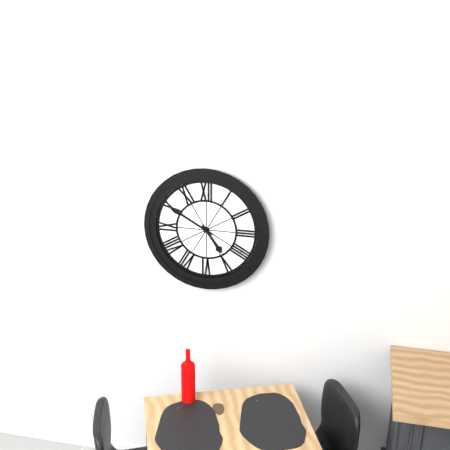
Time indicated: {"hour": 4, "minute": 50}
